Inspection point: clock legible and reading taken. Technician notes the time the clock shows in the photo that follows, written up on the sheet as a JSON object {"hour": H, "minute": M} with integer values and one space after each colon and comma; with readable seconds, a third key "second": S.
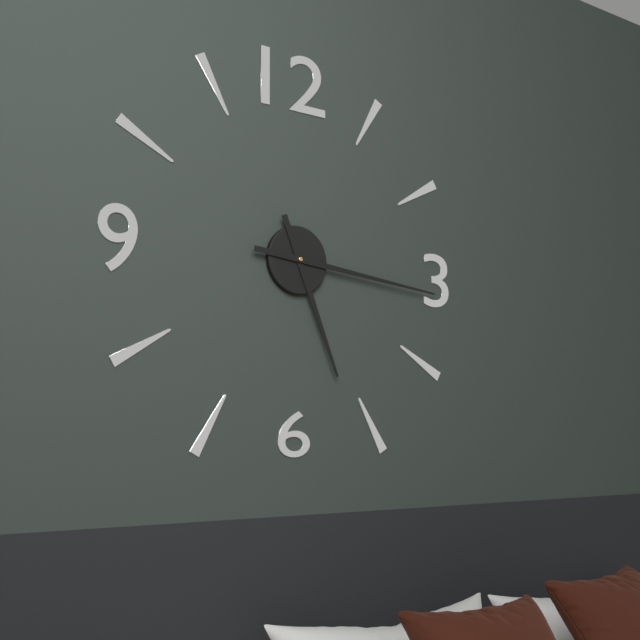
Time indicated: {"hour": 5, "minute": 16}
